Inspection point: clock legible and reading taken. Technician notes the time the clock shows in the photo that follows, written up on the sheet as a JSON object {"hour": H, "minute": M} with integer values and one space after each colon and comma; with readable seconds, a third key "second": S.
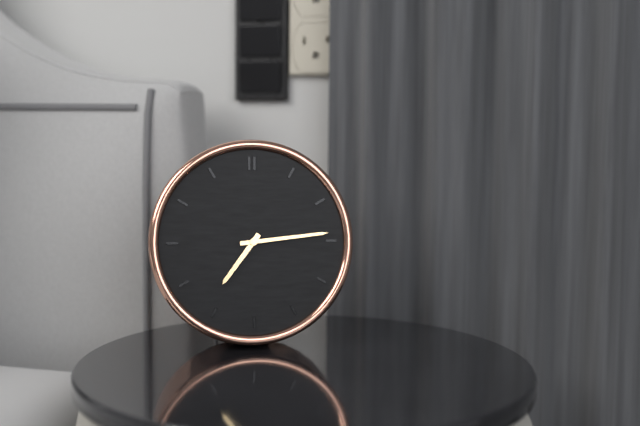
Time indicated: {"hour": 7, "minute": 14}
